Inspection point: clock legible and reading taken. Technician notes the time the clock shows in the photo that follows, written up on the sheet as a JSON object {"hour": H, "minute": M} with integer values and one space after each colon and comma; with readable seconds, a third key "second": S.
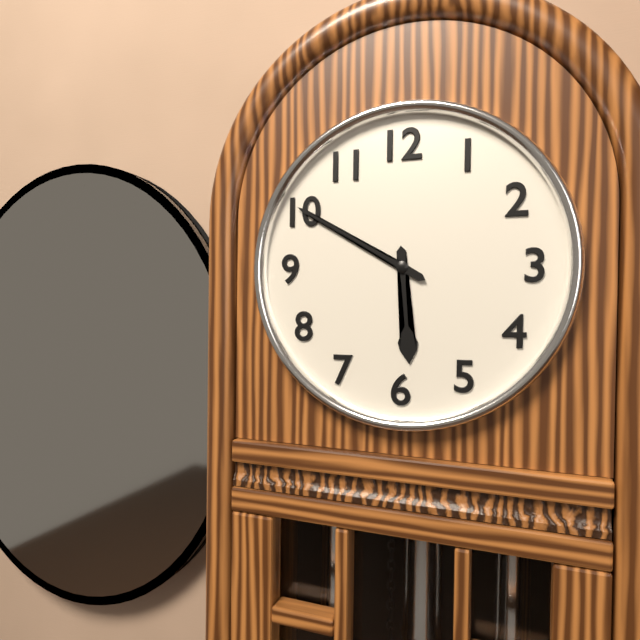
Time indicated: {"hour": 5, "minute": 50}
